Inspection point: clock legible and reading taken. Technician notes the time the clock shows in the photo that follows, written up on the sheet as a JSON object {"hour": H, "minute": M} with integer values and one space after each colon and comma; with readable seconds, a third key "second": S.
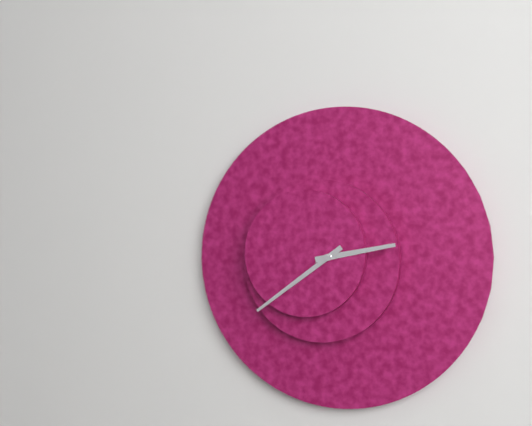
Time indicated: {"hour": 2, "minute": 39}
